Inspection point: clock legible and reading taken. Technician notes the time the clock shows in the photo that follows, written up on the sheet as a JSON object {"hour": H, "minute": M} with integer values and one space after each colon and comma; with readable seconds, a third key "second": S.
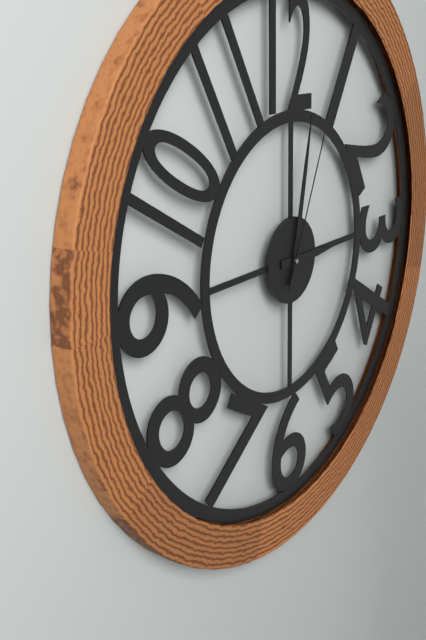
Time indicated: {"hour": 3, "minute": 2, "second": 4}
